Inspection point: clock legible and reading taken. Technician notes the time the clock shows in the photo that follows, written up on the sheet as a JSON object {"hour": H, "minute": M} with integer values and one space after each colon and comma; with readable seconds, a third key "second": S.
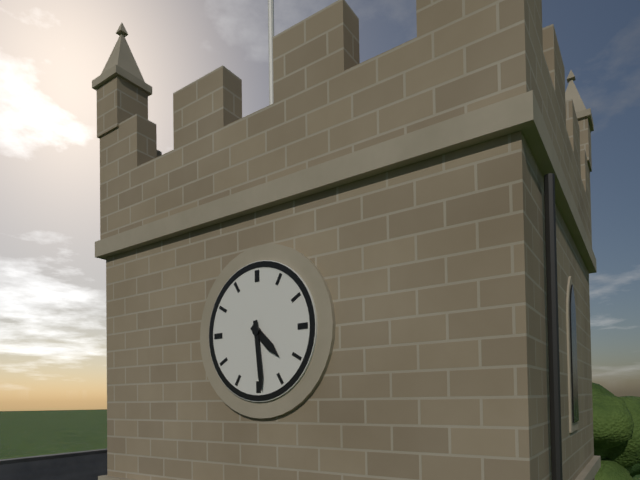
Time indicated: {"hour": 4, "minute": 29}
